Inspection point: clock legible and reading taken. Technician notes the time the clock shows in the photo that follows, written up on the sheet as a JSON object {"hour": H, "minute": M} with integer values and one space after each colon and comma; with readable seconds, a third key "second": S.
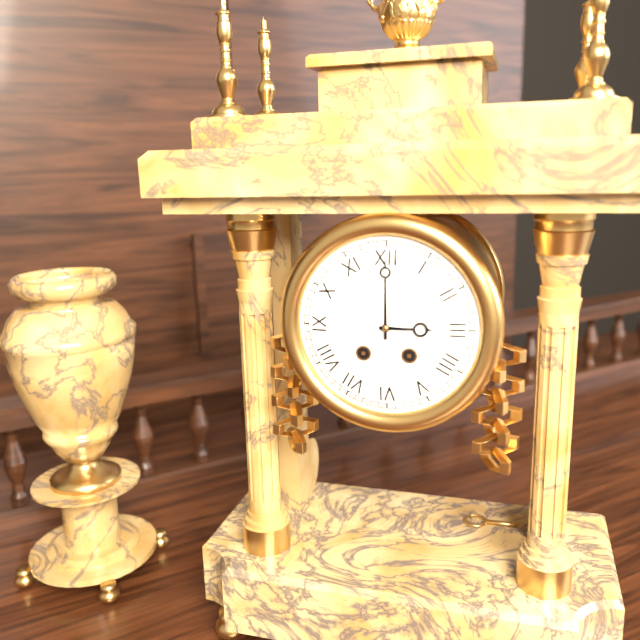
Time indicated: {"hour": 3, "minute": 0}
